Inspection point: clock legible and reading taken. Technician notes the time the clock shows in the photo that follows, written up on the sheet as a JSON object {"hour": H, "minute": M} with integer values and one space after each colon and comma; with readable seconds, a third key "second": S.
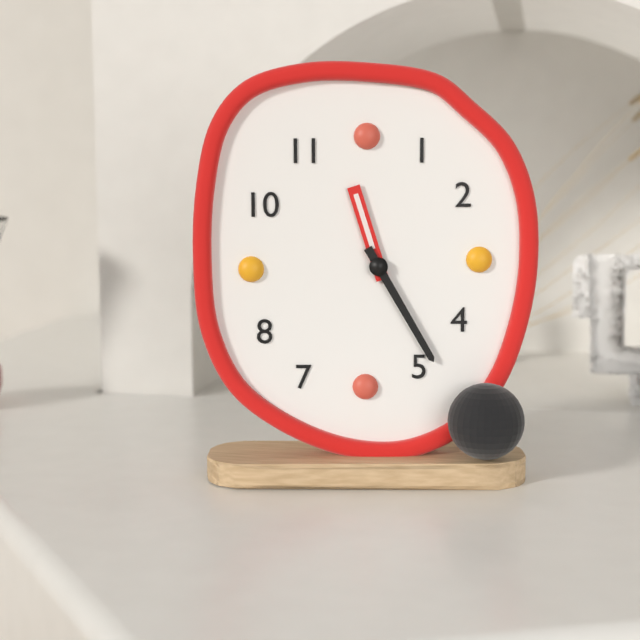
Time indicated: {"hour": 11, "minute": 25}
